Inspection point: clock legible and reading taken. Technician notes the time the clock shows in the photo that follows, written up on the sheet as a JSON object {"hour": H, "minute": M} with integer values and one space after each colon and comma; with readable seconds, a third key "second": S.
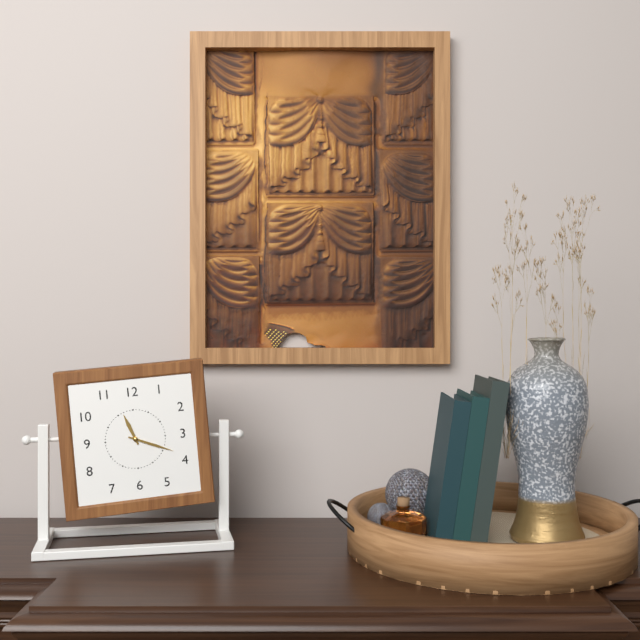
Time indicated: {"hour": 11, "minute": 19}
